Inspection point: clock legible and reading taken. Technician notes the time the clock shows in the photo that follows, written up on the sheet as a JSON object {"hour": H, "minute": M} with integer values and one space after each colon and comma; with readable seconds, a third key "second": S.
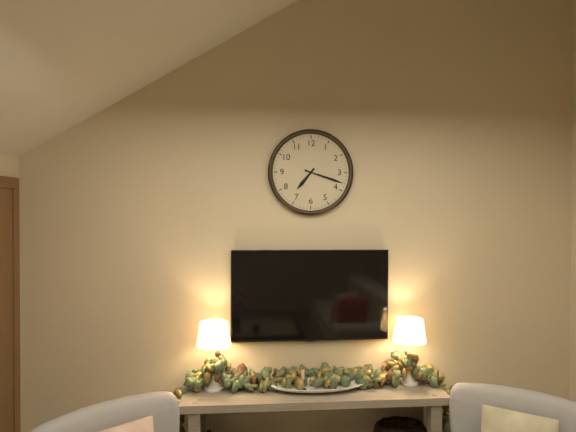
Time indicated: {"hour": 7, "minute": 18}
